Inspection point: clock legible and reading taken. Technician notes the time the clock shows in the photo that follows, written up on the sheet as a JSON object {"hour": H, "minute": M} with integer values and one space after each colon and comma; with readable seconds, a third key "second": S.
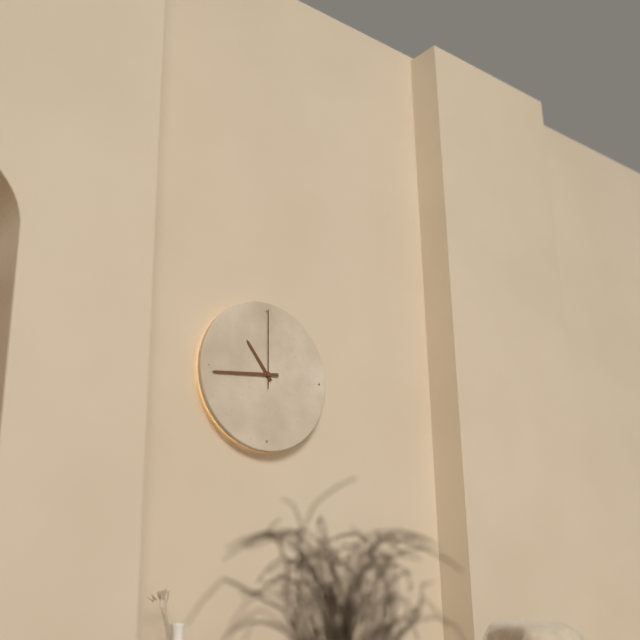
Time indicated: {"hour": 10, "minute": 44, "second": 0}
